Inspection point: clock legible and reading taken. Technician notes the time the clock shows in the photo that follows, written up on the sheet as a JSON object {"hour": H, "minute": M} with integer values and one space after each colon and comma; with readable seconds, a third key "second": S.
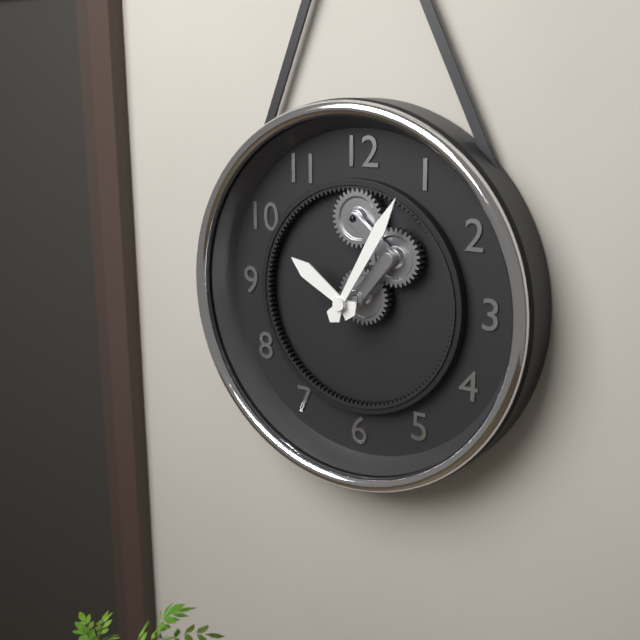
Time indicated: {"hour": 10, "minute": 5}
